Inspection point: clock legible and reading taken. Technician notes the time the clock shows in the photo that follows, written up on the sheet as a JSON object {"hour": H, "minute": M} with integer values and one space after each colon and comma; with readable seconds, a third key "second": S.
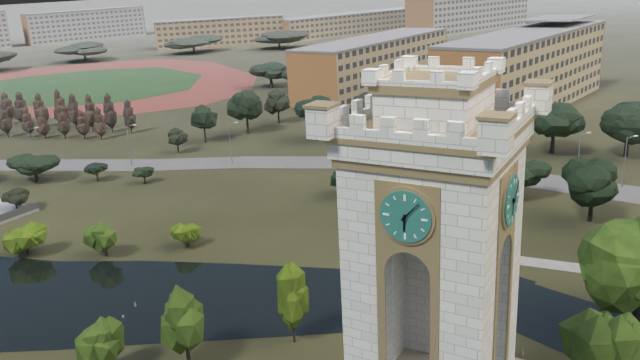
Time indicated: {"hour": 6, "minute": 7}
